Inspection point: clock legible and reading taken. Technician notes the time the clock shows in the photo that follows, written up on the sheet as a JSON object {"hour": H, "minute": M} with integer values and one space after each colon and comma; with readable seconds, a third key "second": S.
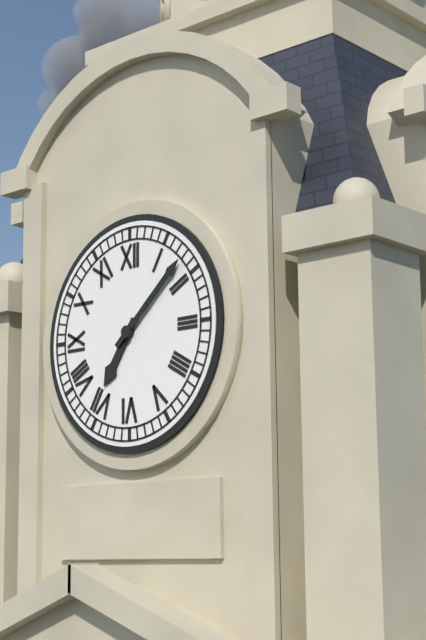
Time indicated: {"hour": 7, "minute": 8}
